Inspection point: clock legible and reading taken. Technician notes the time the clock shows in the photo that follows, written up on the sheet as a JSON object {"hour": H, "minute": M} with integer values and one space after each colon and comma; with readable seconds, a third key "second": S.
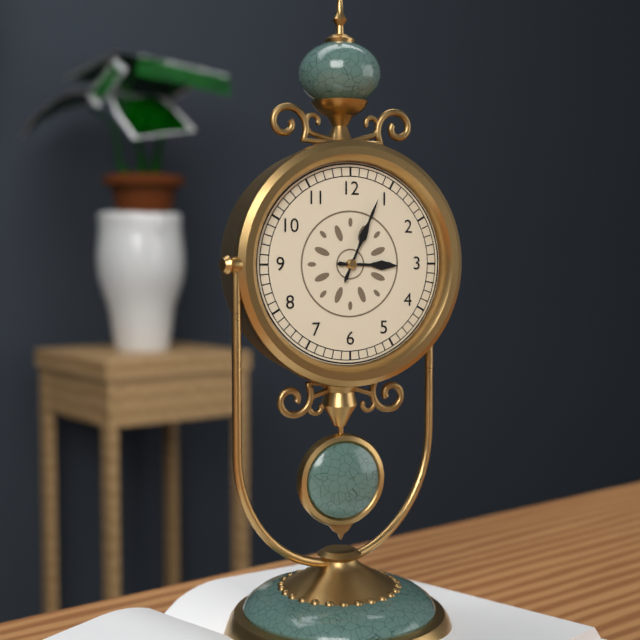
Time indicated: {"hour": 3, "minute": 4}
